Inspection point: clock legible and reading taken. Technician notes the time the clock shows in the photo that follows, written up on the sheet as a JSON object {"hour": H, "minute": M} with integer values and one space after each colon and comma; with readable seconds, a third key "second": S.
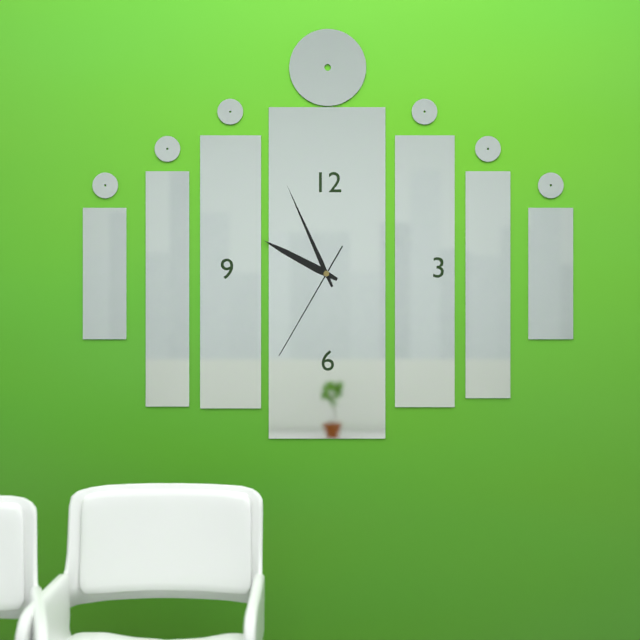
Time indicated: {"hour": 9, "minute": 56, "second": 35}
